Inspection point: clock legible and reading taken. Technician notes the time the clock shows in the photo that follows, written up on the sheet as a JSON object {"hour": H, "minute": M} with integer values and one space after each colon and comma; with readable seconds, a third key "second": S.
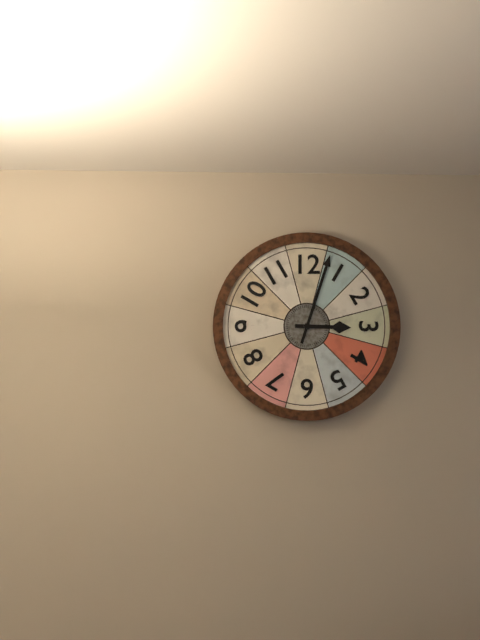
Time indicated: {"hour": 3, "minute": 3}
